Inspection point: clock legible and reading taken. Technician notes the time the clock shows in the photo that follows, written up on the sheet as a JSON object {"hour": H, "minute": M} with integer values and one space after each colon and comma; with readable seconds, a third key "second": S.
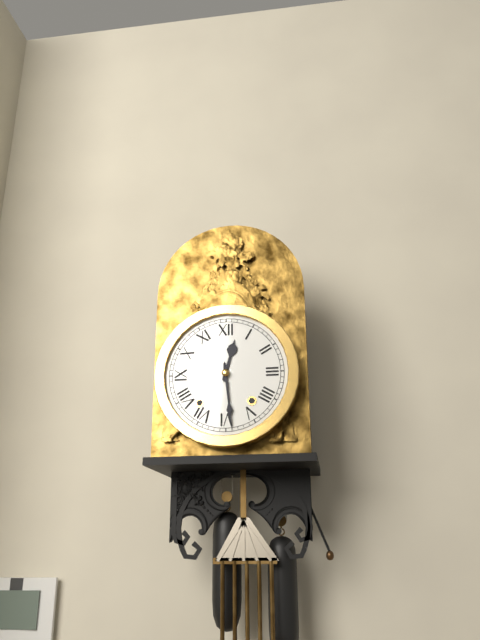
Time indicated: {"hour": 12, "minute": 29}
